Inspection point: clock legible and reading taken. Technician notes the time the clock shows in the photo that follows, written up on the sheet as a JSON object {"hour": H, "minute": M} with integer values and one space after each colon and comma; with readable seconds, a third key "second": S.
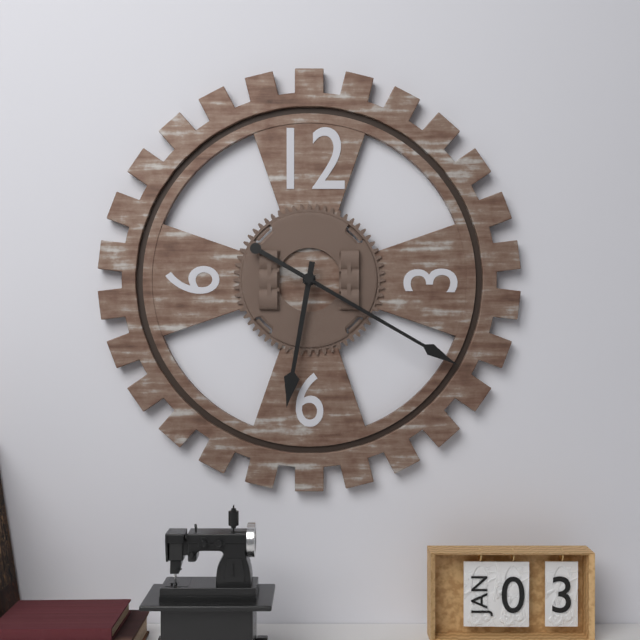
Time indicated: {"hour": 6, "minute": 20}
